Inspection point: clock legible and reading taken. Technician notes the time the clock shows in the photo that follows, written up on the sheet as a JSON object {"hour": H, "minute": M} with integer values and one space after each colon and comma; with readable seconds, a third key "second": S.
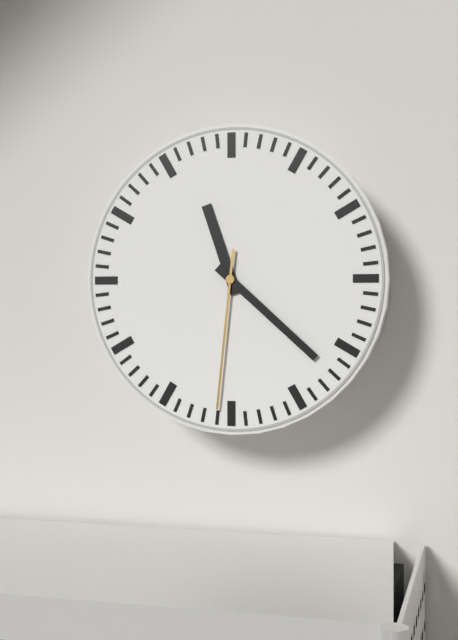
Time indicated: {"hour": 11, "minute": 22, "second": 31}
